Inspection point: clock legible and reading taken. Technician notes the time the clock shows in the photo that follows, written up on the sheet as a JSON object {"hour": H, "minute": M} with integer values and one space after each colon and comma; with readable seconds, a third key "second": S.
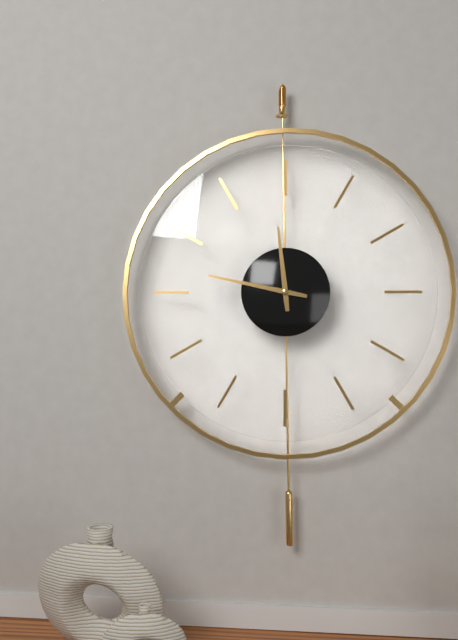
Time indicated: {"hour": 11, "minute": 47}
